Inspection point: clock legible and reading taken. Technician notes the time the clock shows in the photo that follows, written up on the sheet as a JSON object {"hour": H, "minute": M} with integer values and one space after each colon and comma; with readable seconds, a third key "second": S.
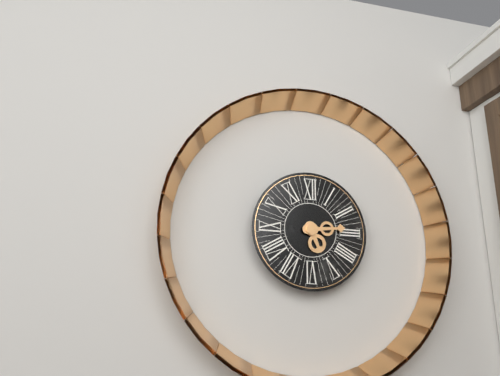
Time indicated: {"hour": 5, "minute": 14}
